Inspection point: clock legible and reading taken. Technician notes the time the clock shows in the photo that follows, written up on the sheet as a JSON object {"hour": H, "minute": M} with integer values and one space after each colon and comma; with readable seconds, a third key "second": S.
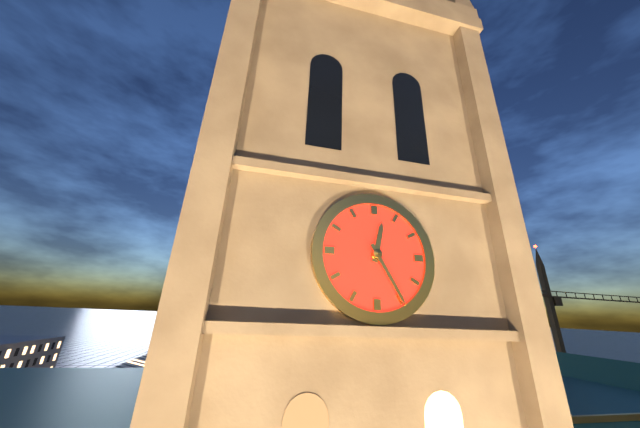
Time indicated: {"hour": 12, "minute": 25}
